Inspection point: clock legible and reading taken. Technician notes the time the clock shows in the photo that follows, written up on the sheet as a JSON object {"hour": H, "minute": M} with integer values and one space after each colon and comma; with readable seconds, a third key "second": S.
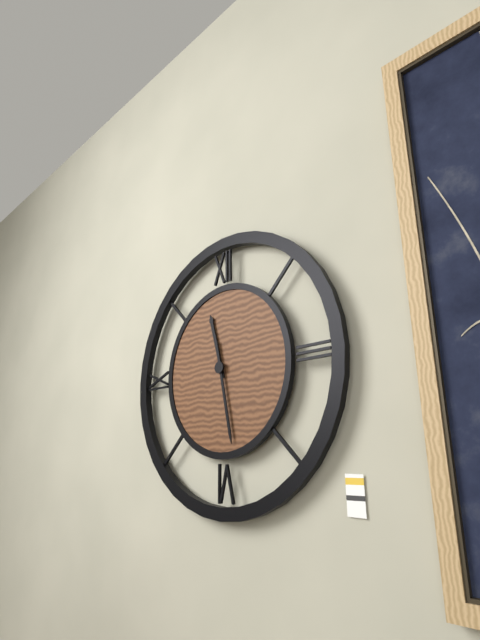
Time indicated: {"hour": 11, "minute": 28}
